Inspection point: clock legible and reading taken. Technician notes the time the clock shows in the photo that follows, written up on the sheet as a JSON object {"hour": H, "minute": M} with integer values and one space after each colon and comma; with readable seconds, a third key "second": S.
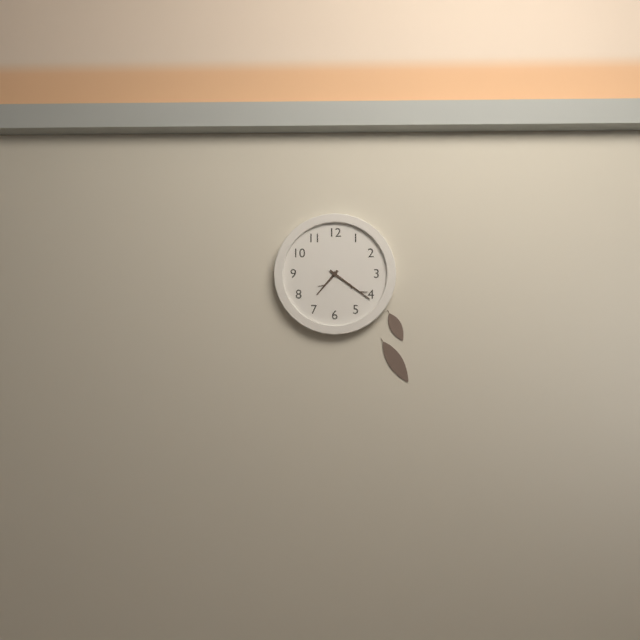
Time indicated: {"hour": 7, "minute": 21}
